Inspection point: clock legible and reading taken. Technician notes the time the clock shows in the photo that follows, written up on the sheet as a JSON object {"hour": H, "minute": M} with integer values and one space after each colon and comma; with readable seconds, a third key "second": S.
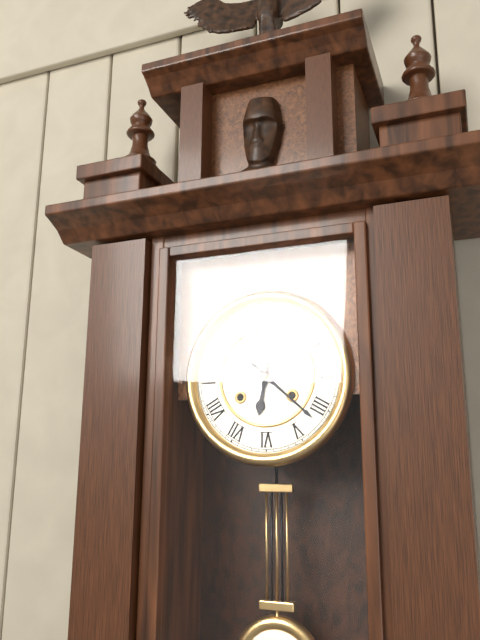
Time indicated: {"hour": 6, "minute": 22}
